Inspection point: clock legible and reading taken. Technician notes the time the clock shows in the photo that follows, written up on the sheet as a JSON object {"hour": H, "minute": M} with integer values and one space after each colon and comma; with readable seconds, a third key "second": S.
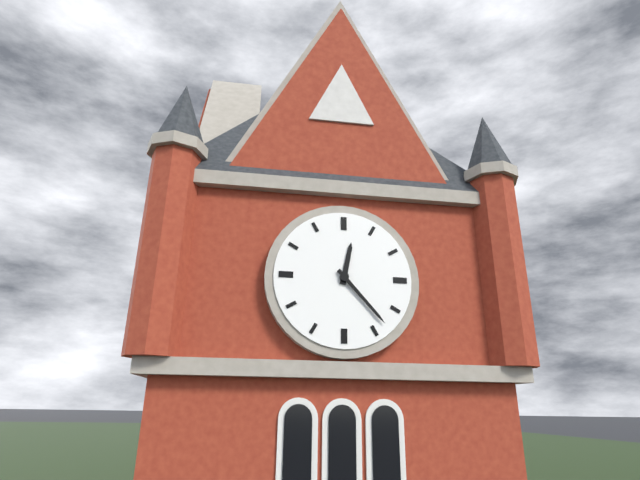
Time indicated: {"hour": 12, "minute": 23}
